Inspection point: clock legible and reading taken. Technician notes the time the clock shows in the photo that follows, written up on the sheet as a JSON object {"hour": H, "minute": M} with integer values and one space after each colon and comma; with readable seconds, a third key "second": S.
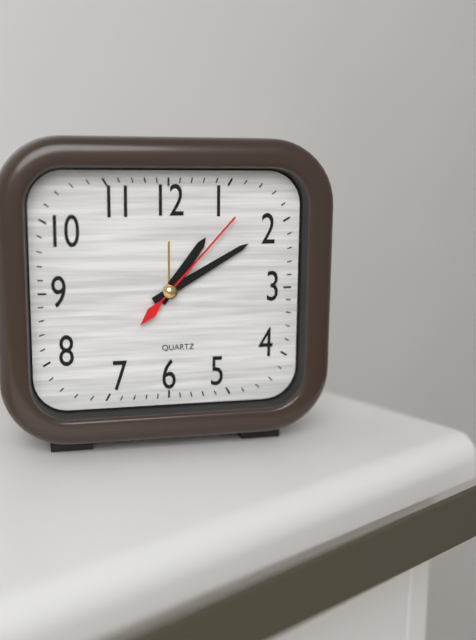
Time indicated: {"hour": 1, "minute": 10, "second": 7}
